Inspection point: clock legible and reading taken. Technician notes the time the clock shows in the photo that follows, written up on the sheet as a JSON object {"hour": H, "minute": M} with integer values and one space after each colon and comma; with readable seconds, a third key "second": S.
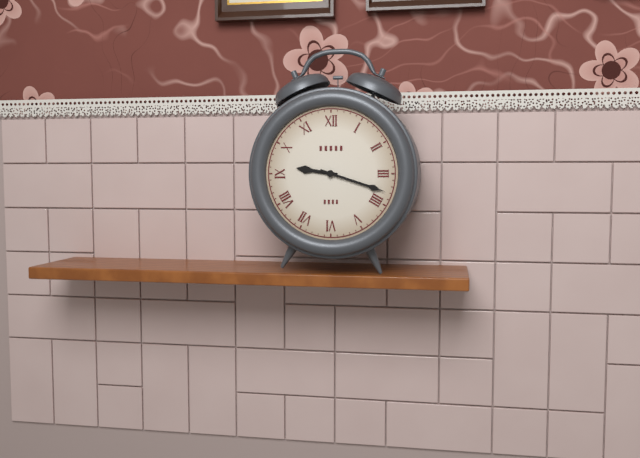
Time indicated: {"hour": 9, "minute": 18}
